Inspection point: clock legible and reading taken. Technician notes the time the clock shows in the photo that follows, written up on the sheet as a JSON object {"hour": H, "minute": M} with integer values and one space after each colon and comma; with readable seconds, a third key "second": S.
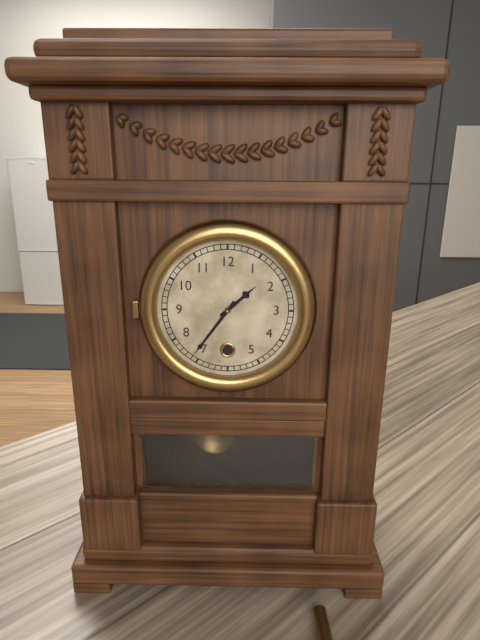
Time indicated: {"hour": 1, "minute": 36}
